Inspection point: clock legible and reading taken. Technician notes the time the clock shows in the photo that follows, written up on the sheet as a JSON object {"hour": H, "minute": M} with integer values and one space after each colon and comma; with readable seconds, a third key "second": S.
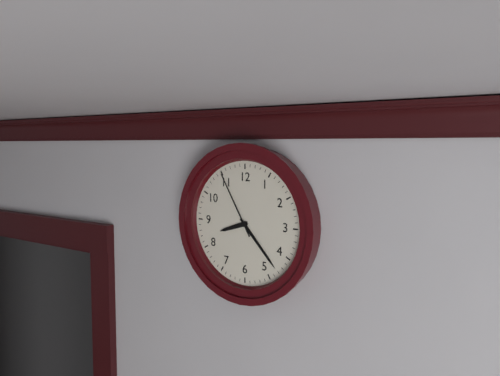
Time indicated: {"hour": 8, "minute": 23, "second": 55}
